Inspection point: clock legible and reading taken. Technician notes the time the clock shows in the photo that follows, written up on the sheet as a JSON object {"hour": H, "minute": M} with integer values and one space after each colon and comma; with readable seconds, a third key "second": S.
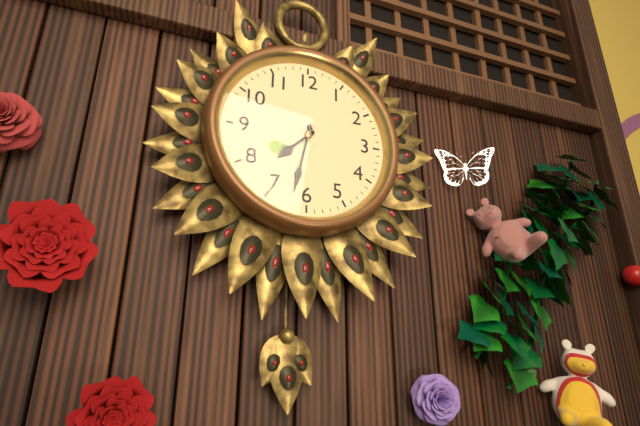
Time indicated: {"hour": 7, "minute": 32}
